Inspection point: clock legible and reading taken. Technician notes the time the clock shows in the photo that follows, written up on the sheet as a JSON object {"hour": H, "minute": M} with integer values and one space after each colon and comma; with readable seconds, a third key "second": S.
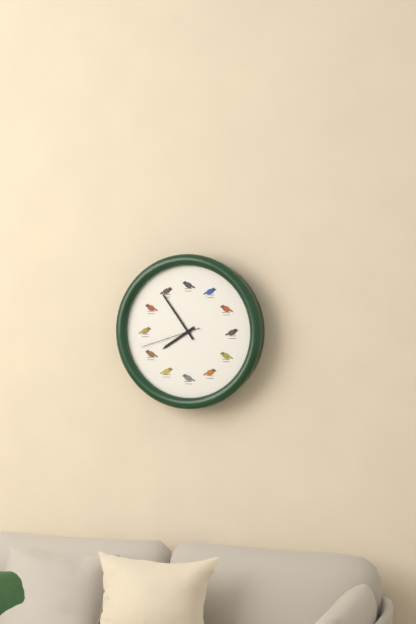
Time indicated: {"hour": 7, "minute": 54, "second": 42}
